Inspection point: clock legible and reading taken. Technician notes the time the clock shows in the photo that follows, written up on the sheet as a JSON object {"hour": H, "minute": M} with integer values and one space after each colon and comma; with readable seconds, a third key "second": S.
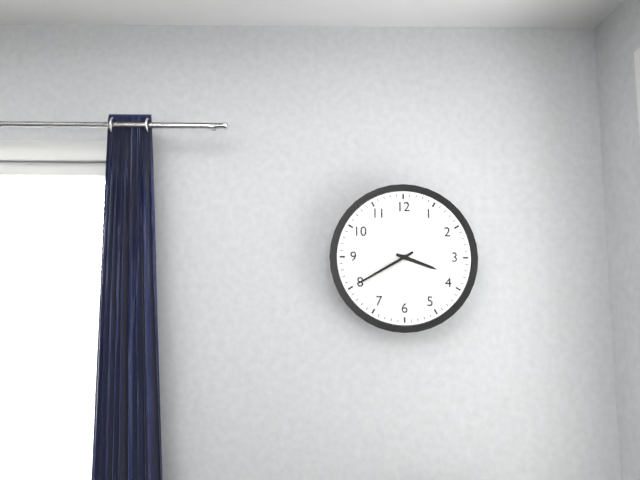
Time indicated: {"hour": 3, "minute": 40}
